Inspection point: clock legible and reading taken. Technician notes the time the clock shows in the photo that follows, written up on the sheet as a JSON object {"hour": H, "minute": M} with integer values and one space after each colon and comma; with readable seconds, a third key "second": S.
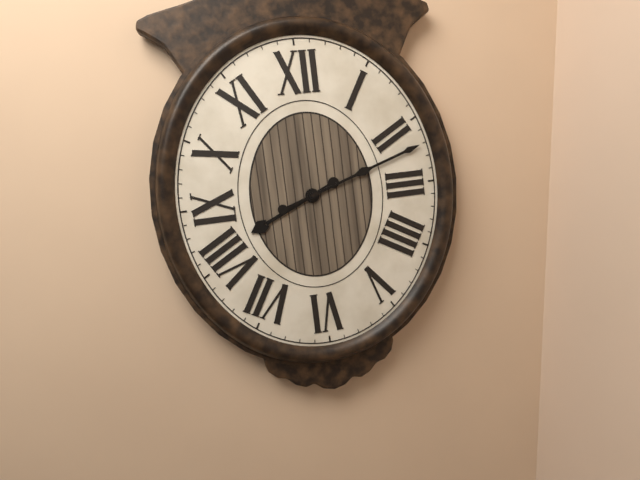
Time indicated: {"hour": 8, "minute": 12}
